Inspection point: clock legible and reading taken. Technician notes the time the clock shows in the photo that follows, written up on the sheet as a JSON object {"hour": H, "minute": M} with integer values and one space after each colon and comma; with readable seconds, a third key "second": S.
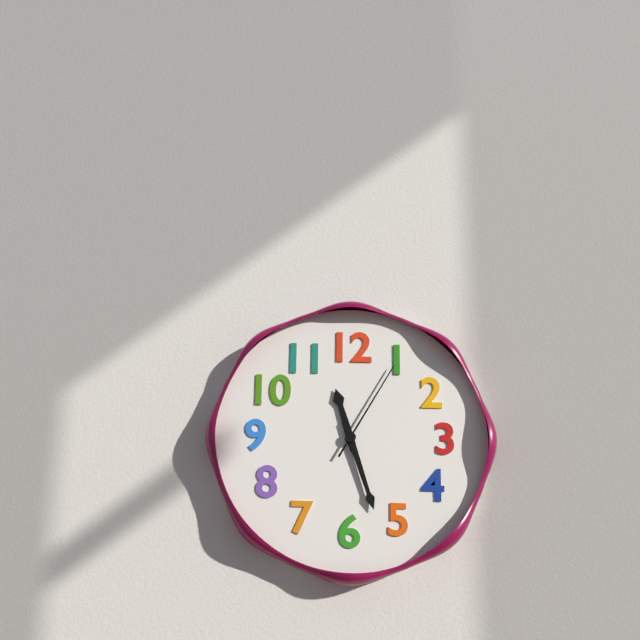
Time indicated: {"hour": 11, "minute": 27, "second": 5}
